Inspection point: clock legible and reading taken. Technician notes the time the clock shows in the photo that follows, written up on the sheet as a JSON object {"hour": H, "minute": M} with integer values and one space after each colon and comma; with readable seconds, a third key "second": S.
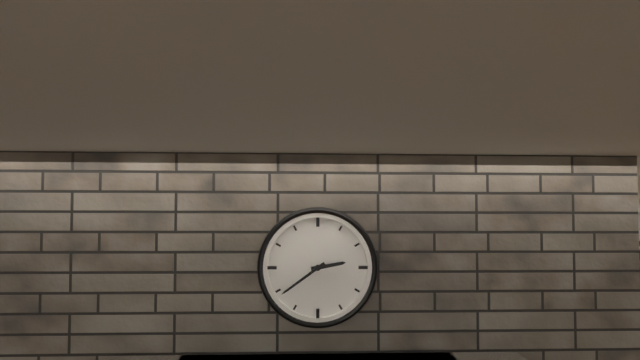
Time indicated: {"hour": 2, "minute": 39}
